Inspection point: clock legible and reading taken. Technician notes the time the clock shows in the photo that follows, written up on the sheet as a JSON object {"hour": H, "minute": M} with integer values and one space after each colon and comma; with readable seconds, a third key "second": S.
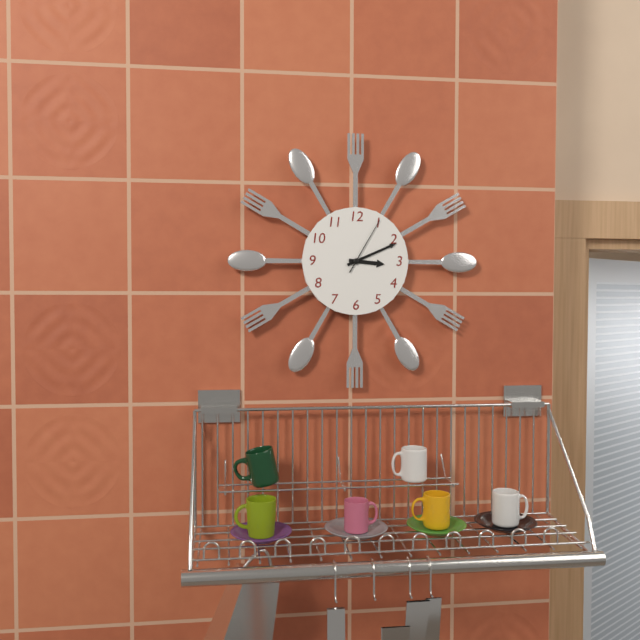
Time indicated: {"hour": 3, "minute": 11, "second": 5}
